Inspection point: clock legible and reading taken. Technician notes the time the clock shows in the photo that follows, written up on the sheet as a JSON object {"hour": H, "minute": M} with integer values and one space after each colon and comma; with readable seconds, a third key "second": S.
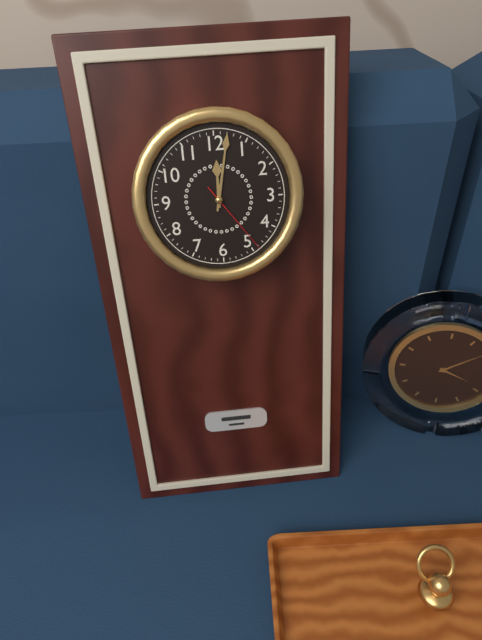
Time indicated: {"hour": 12, "minute": 2, "second": 24}
